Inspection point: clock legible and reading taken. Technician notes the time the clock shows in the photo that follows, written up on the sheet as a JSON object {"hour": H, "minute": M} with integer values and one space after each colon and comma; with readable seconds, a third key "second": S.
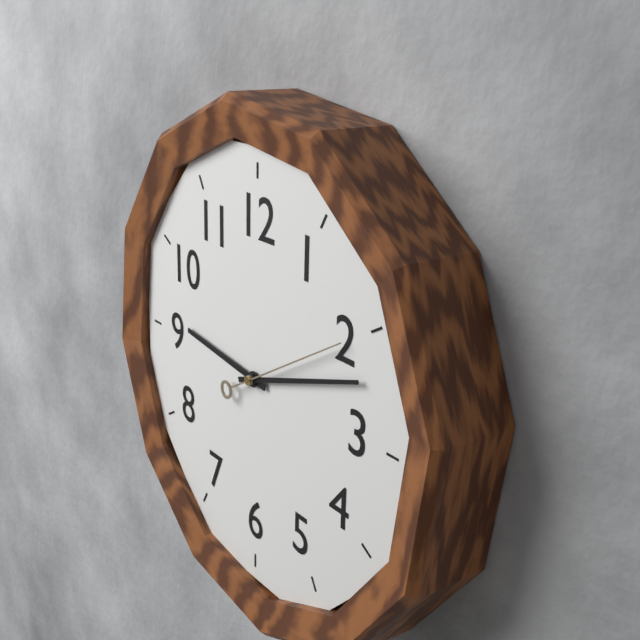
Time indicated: {"hour": 9, "minute": 12, "second": 10}
